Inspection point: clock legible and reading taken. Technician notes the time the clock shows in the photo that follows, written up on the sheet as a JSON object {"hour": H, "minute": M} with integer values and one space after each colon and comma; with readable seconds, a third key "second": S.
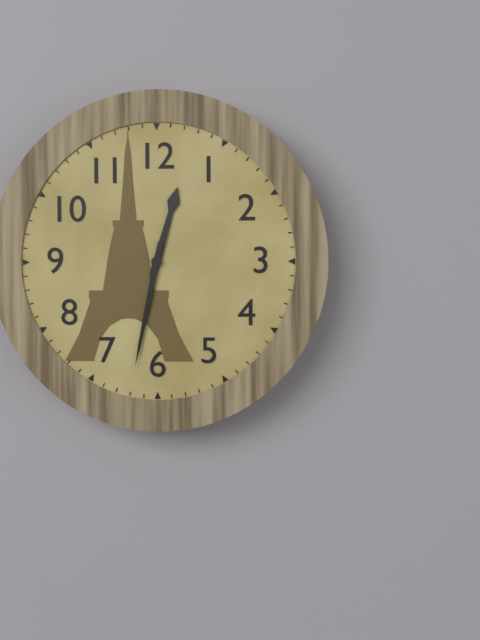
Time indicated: {"hour": 12, "minute": 32}
